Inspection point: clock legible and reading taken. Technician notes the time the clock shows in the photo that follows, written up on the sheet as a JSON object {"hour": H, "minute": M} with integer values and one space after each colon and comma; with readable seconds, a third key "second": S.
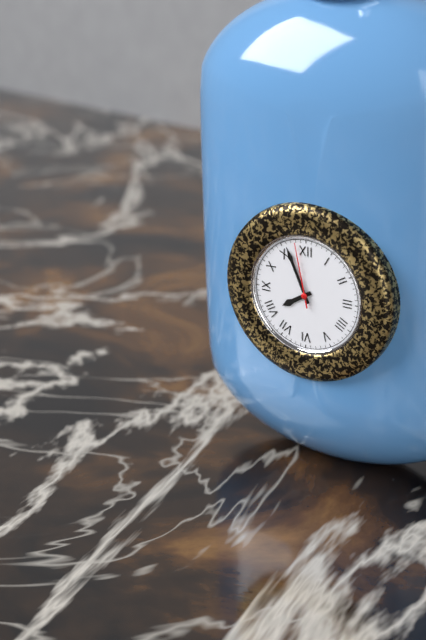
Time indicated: {"hour": 7, "minute": 56, "second": 58}
